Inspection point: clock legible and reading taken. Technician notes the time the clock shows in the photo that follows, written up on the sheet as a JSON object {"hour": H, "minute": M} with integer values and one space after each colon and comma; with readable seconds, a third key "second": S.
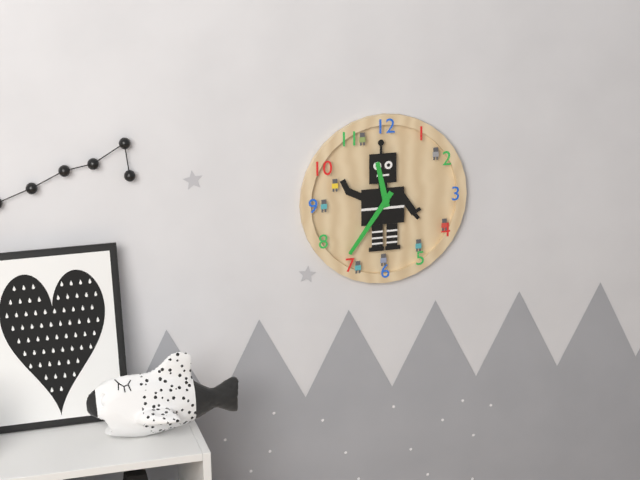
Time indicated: {"hour": 11, "minute": 36}
